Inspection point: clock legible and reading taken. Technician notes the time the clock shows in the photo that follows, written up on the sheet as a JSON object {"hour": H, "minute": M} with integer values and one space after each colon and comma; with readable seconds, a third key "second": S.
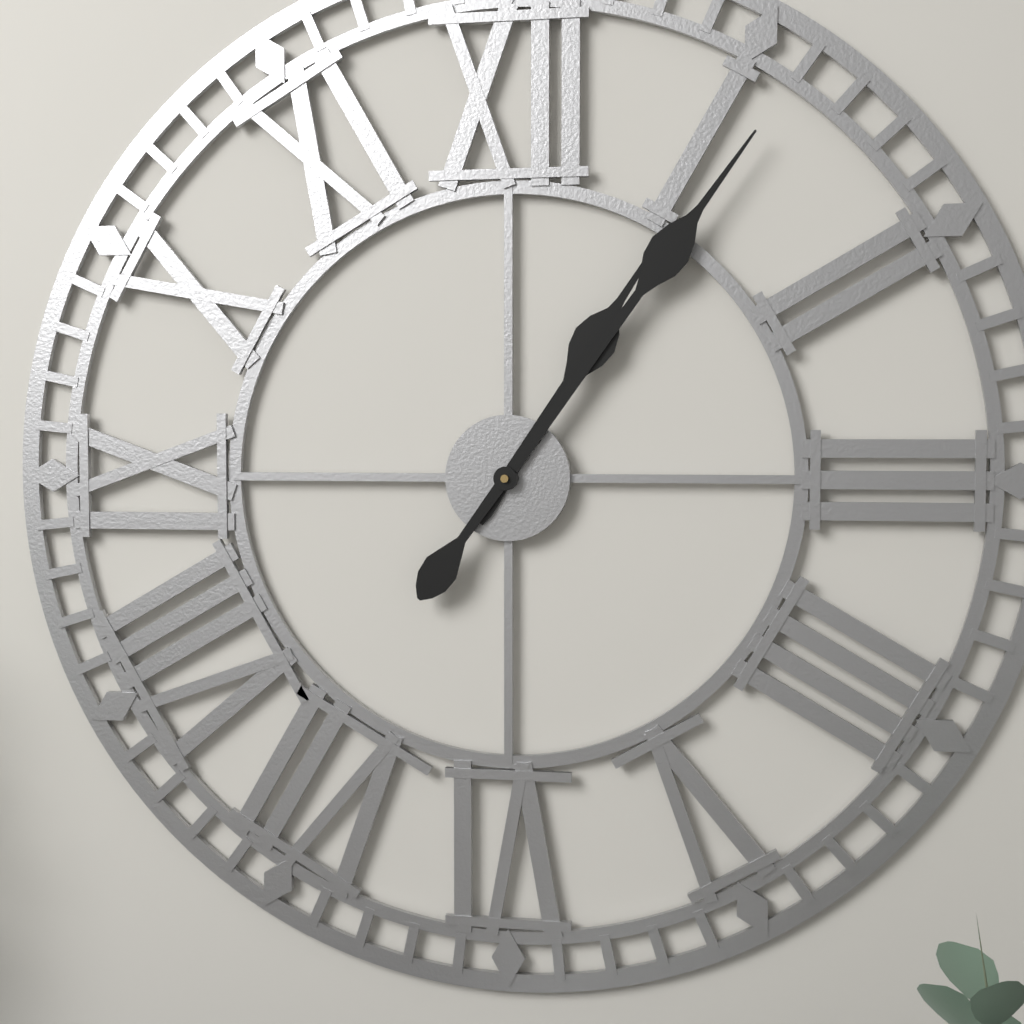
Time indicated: {"hour": 1, "minute": 6}
